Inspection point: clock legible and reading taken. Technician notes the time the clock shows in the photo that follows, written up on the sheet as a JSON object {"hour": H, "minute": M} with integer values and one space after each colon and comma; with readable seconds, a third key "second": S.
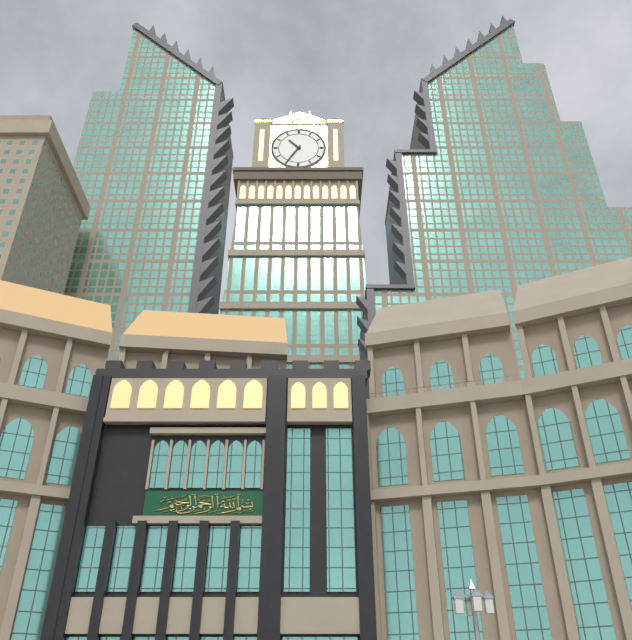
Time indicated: {"hour": 10, "minute": 35}
